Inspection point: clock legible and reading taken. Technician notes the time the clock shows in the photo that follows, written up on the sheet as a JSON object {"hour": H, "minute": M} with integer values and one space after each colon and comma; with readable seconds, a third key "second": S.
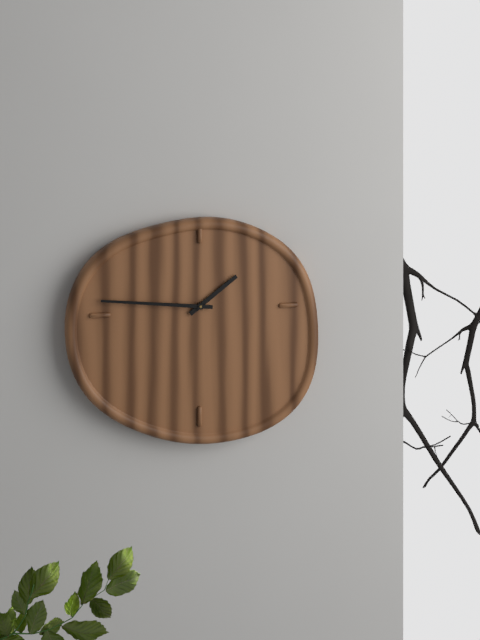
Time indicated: {"hour": 1, "minute": 46}
